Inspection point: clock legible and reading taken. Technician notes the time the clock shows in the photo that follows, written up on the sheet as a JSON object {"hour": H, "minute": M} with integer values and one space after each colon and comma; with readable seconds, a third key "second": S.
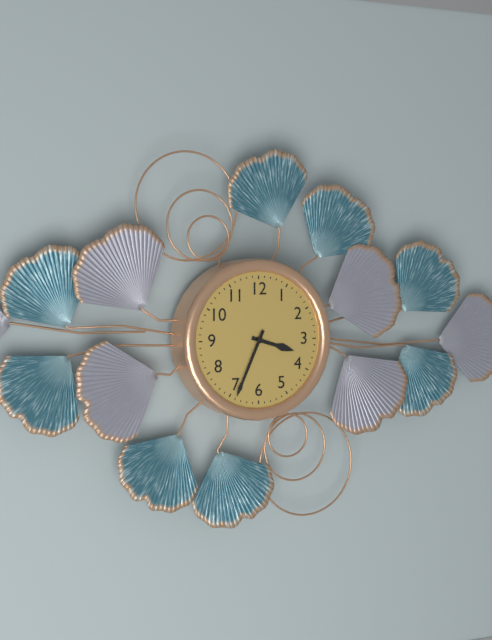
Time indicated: {"hour": 3, "minute": 34}
